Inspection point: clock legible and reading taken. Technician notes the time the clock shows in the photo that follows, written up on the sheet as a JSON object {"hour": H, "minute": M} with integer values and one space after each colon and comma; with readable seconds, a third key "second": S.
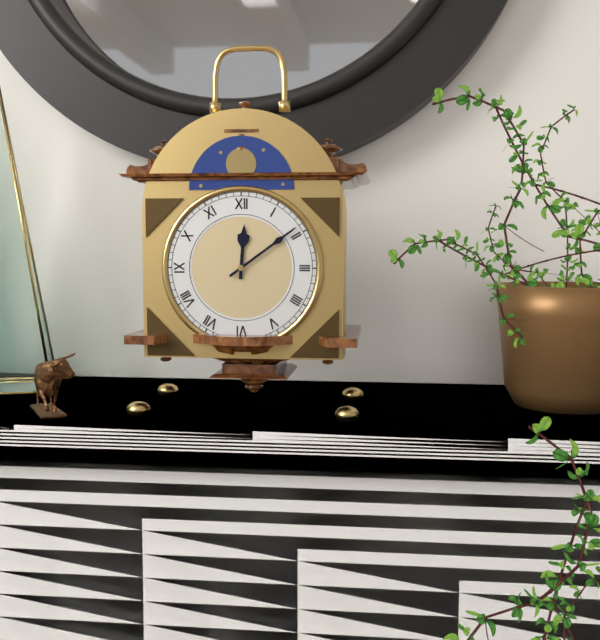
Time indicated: {"hour": 12, "minute": 9}
